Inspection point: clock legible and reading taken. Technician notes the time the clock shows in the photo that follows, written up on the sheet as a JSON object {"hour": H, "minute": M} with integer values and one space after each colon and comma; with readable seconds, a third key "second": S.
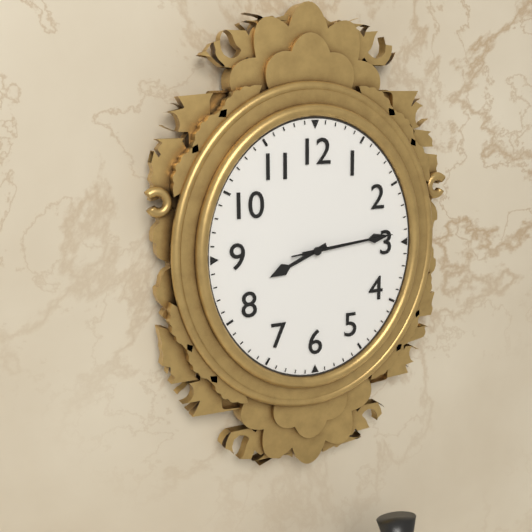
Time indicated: {"hour": 8, "minute": 14, "second": 14}
